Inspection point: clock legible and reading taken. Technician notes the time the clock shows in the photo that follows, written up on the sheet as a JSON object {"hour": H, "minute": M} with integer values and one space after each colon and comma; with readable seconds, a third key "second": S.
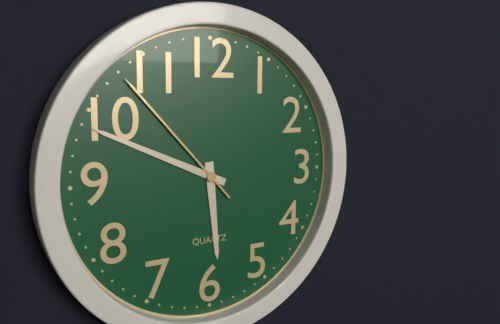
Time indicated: {"hour": 5, "minute": 49, "second": 53}
